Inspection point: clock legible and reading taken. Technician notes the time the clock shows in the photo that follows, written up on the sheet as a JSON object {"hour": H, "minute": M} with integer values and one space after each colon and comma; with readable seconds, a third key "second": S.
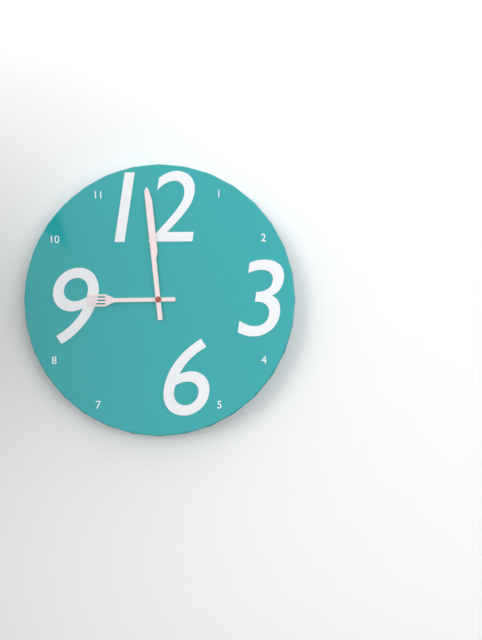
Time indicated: {"hour": 8, "minute": 59}
